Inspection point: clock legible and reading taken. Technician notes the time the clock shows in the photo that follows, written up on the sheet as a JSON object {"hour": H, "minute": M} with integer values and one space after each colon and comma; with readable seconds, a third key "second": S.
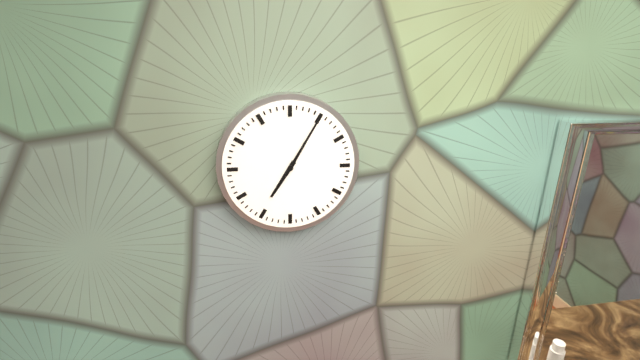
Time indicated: {"hour": 7, "minute": 5}
